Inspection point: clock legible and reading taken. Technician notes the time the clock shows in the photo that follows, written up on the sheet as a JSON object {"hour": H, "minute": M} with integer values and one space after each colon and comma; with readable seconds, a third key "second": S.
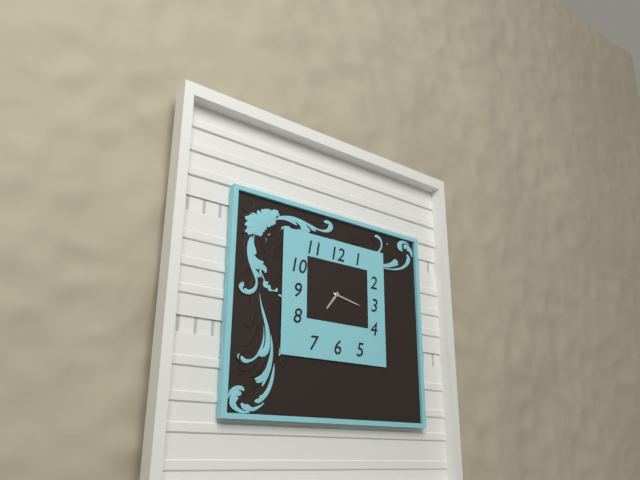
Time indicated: {"hour": 7, "minute": 17}
